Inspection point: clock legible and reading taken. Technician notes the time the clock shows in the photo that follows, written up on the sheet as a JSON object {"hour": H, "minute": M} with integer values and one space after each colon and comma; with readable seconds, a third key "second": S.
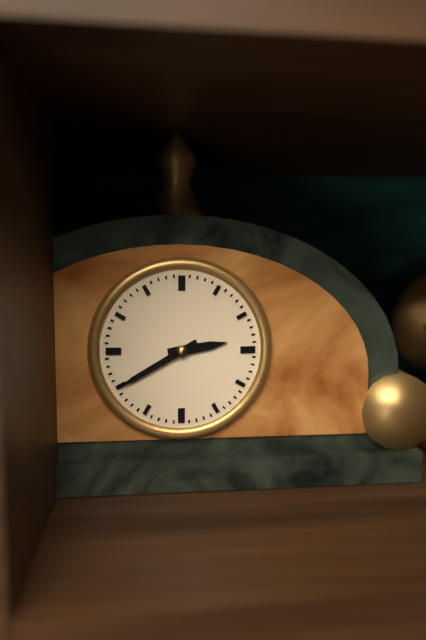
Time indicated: {"hour": 2, "minute": 40}
